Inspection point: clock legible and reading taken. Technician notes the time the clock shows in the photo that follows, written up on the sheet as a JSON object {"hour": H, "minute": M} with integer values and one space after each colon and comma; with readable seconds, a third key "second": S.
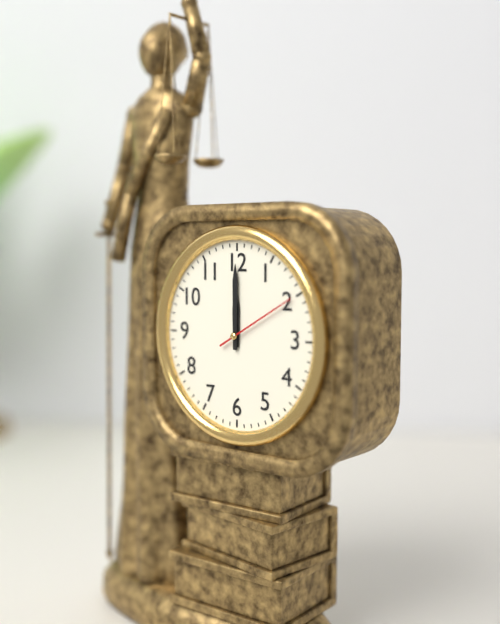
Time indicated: {"hour": 12, "minute": 0, "second": 10}
